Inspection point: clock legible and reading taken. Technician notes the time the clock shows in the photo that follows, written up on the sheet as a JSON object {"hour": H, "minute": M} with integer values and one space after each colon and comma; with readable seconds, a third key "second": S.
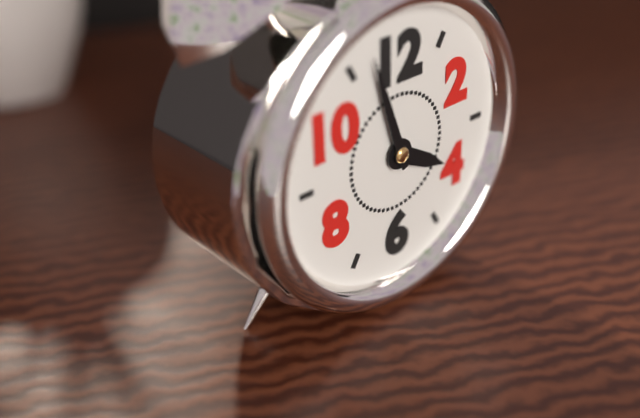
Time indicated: {"hour": 3, "minute": 57}
